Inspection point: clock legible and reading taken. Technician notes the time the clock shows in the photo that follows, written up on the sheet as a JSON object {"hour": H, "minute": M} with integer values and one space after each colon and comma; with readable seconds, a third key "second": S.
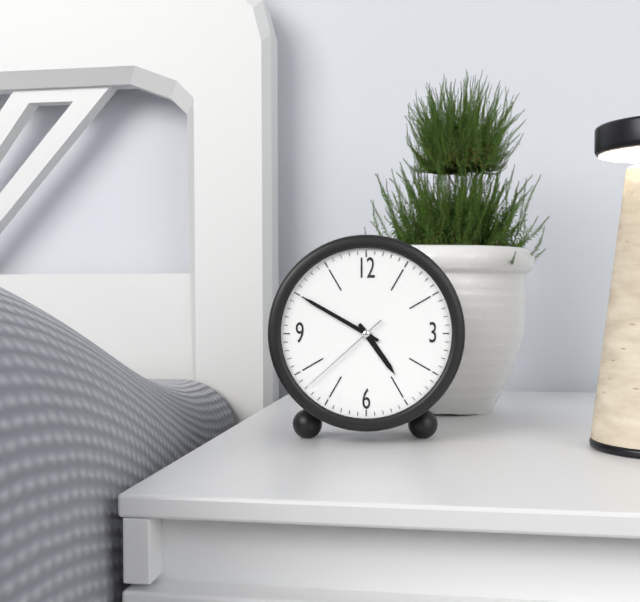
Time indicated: {"hour": 4, "minute": 50, "second": 38}
